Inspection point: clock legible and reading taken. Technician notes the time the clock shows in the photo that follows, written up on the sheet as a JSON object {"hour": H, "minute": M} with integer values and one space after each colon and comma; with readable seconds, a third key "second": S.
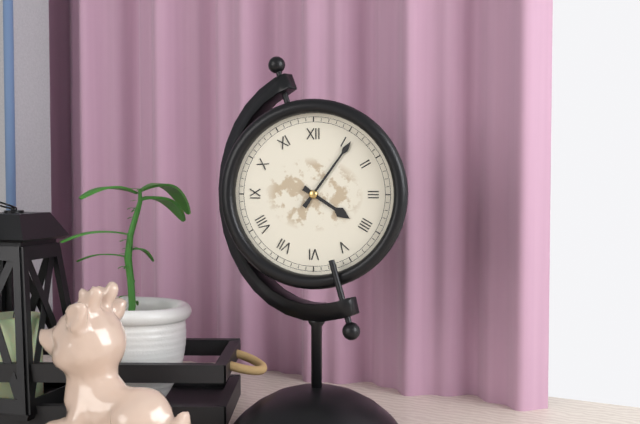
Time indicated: {"hour": 4, "minute": 6}
